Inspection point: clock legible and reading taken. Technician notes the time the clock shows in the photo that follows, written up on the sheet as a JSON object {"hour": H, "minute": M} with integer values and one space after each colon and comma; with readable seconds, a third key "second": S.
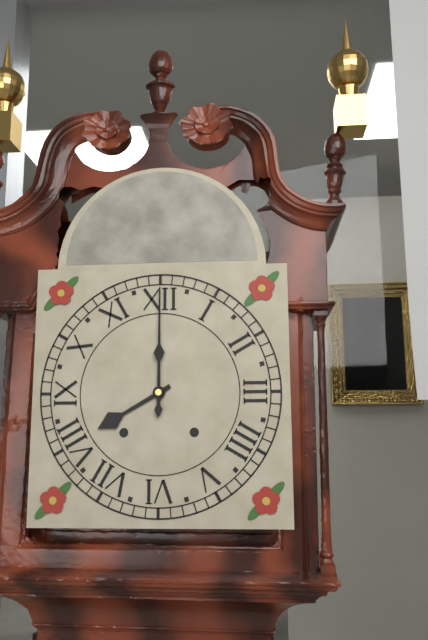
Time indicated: {"hour": 8, "minute": 0}
